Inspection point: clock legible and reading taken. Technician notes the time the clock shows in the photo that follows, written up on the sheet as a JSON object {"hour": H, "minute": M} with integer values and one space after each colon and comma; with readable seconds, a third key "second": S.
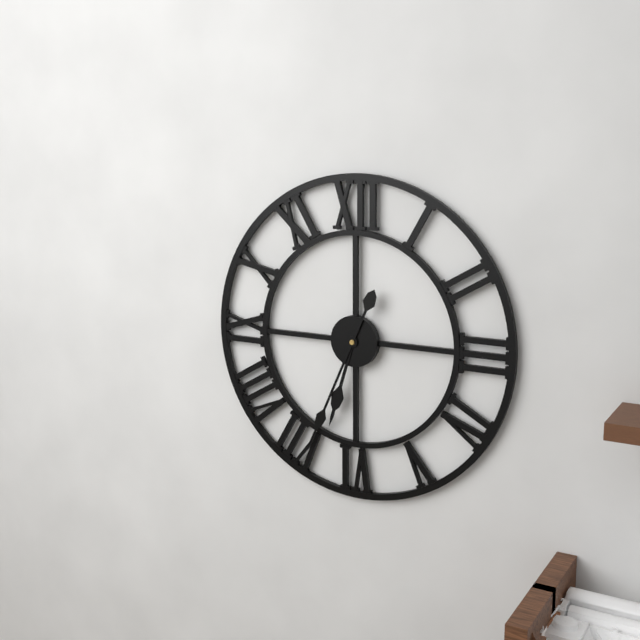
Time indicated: {"hour": 6, "minute": 34}
